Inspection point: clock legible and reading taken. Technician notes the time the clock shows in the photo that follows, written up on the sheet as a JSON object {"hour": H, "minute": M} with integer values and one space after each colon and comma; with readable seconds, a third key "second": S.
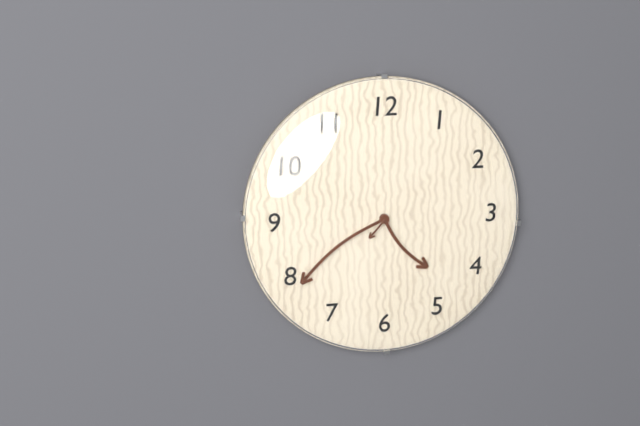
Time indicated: {"hour": 4, "minute": 39}
